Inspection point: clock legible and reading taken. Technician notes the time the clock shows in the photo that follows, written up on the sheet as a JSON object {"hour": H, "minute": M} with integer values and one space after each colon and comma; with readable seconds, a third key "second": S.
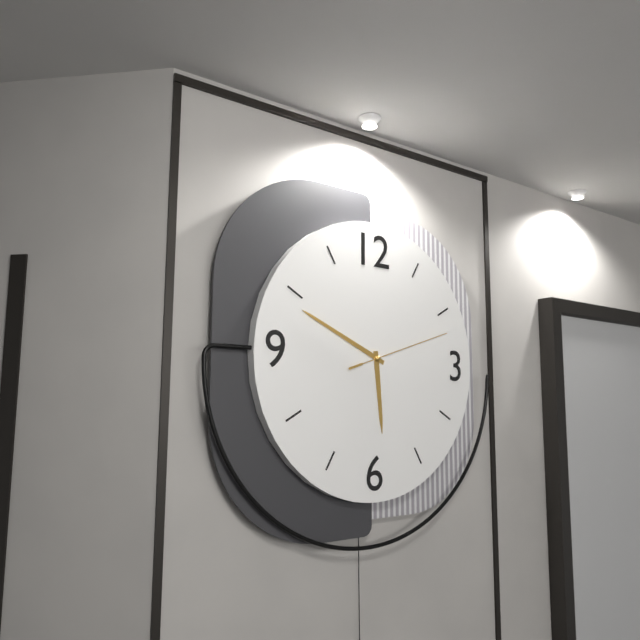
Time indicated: {"hour": 5, "minute": 49, "second": 12}
